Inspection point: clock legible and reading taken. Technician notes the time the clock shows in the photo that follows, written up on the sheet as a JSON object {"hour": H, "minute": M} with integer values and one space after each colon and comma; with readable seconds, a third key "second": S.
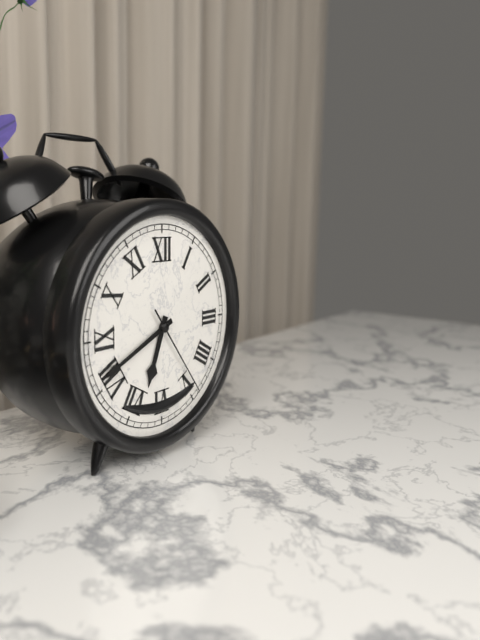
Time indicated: {"hour": 6, "minute": 41, "second": 24}
